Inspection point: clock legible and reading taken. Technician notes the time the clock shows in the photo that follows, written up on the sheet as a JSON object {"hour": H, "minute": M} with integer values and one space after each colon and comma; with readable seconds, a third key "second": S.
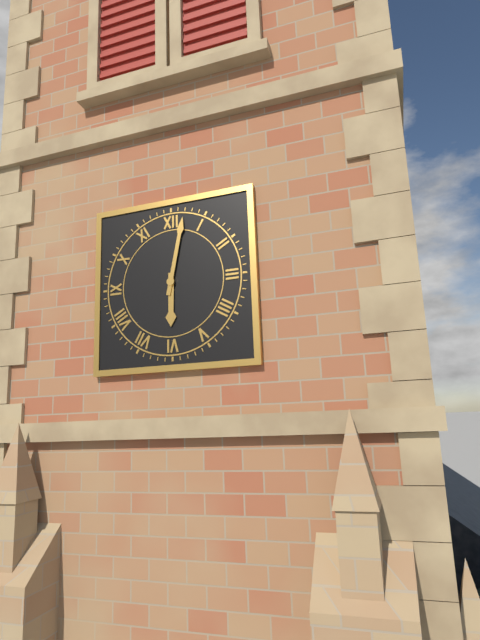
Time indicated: {"hour": 6, "minute": 2}
